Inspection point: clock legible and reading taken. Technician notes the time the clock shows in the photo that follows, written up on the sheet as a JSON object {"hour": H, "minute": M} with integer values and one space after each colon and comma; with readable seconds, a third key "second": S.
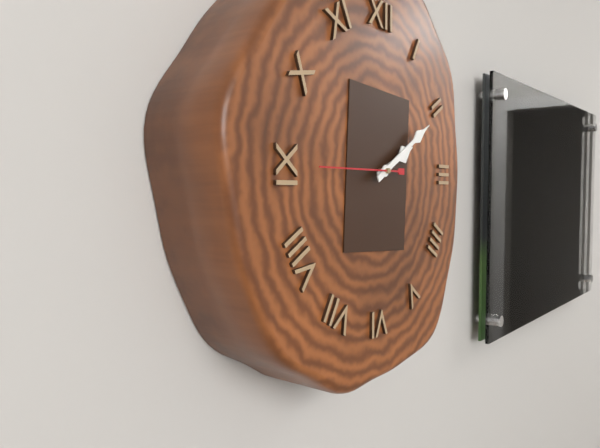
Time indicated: {"hour": 2, "minute": 10}
